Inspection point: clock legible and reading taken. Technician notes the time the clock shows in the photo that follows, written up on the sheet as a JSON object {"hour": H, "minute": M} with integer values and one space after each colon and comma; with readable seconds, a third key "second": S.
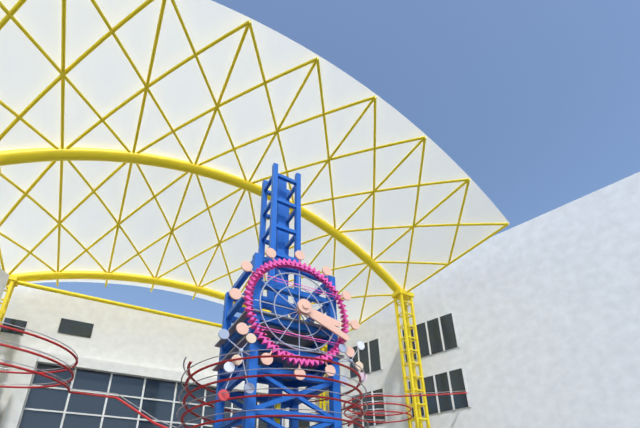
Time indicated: {"hour": 3, "minute": 19}
